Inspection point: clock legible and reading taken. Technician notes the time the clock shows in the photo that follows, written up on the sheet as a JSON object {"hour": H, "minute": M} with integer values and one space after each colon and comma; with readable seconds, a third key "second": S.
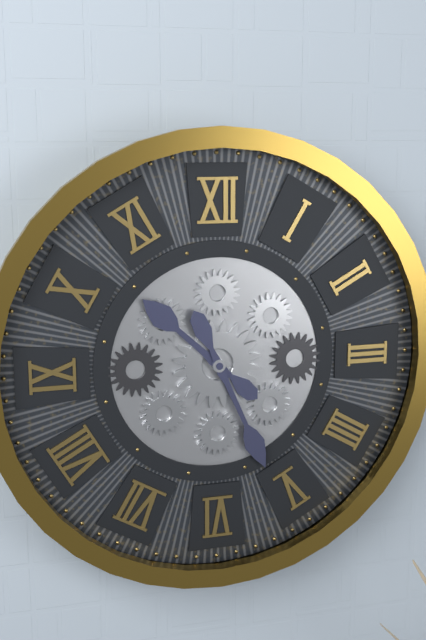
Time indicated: {"hour": 10, "minute": 26}
